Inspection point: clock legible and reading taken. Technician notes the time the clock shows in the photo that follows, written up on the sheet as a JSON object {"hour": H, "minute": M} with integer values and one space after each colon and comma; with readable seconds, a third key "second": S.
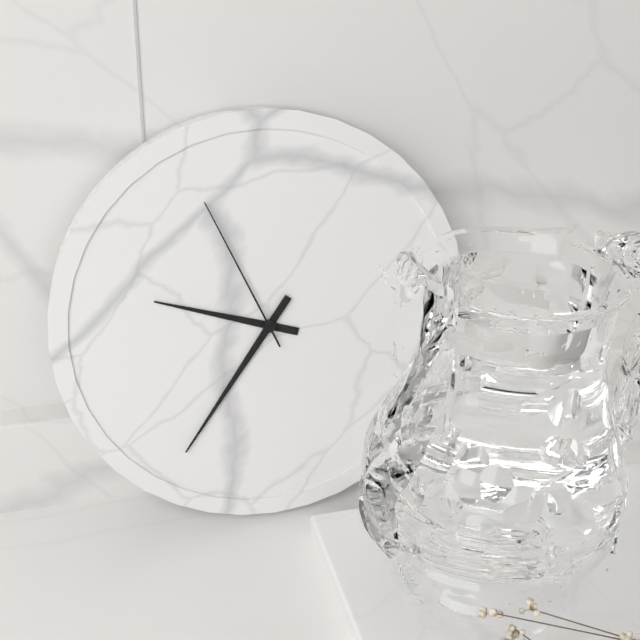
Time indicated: {"hour": 9, "minute": 36, "second": 56}
